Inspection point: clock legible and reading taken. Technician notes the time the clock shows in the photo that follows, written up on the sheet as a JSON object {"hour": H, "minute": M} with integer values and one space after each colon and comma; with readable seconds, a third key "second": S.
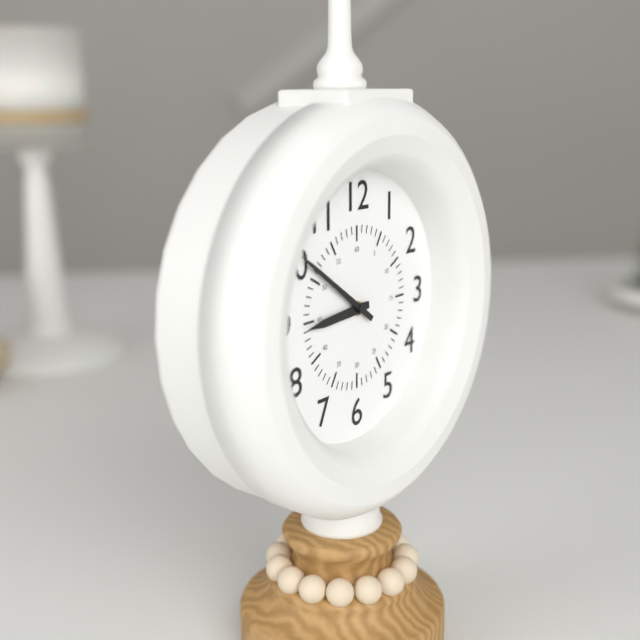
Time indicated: {"hour": 8, "minute": 51}
